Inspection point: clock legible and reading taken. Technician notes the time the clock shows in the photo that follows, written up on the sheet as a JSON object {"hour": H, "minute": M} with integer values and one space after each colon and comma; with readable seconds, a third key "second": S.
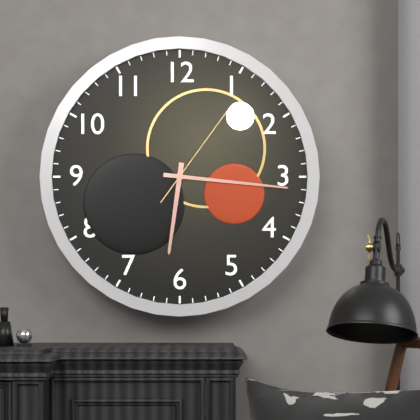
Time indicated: {"hour": 6, "minute": 16, "second": 6}
